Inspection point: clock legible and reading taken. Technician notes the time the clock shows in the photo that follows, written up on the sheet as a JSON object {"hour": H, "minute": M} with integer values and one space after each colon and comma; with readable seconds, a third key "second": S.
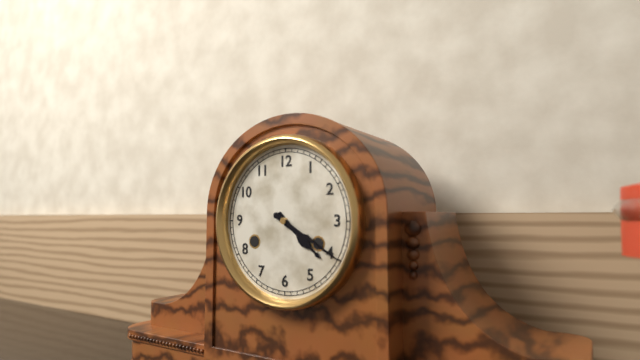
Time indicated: {"hour": 4, "minute": 20}
